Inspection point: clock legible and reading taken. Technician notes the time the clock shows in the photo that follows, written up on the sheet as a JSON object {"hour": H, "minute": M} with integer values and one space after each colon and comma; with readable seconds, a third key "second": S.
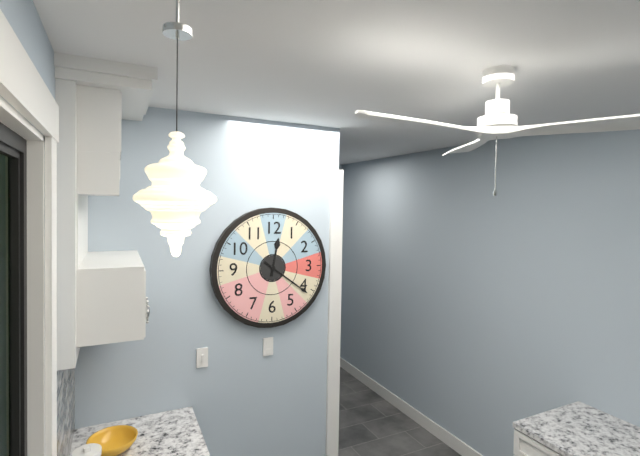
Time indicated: {"hour": 12, "minute": 21}
